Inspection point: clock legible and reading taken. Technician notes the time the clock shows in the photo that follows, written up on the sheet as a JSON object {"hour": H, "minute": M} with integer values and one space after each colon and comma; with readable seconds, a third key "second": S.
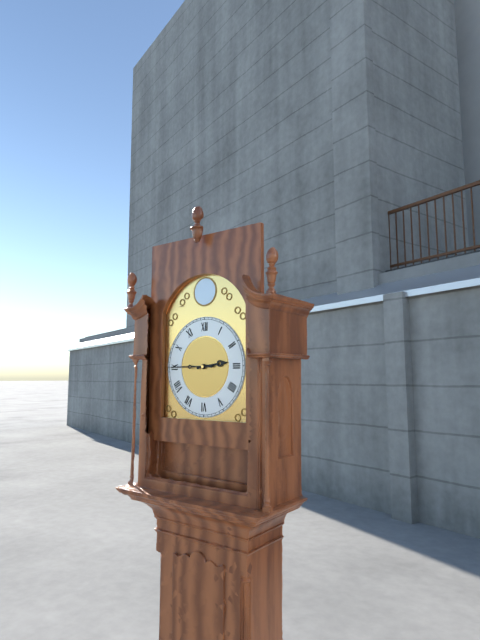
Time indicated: {"hour": 2, "minute": 45}
